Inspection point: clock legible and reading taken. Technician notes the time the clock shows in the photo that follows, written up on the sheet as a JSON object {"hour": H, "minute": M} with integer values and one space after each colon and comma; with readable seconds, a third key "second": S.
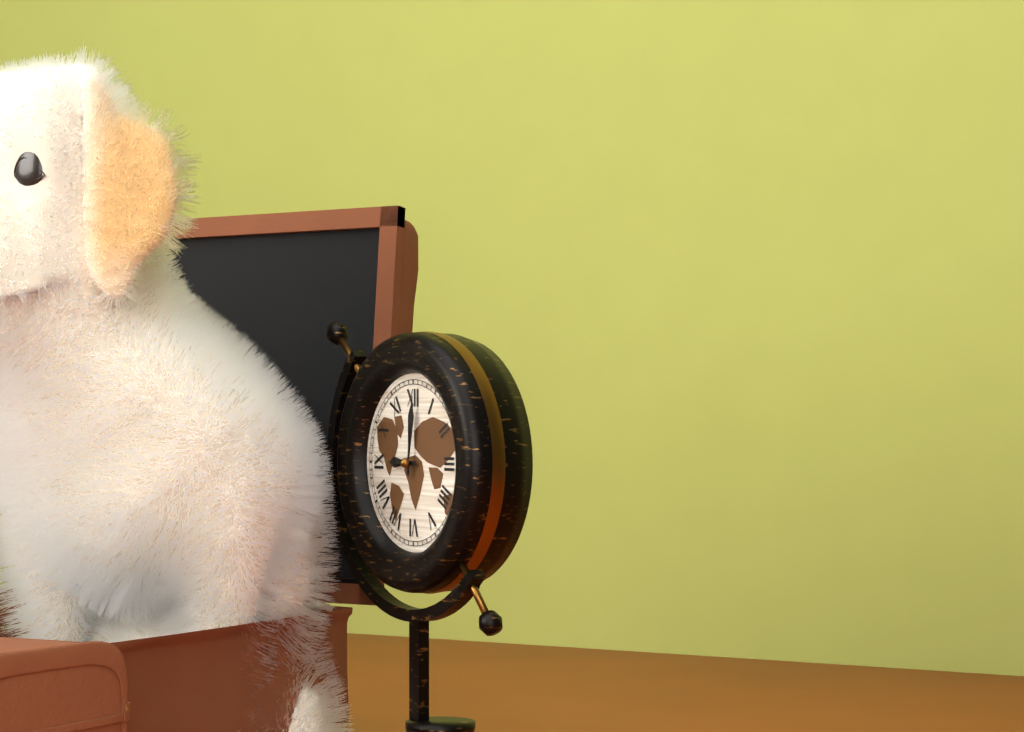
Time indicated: {"hour": 9, "minute": 1}
